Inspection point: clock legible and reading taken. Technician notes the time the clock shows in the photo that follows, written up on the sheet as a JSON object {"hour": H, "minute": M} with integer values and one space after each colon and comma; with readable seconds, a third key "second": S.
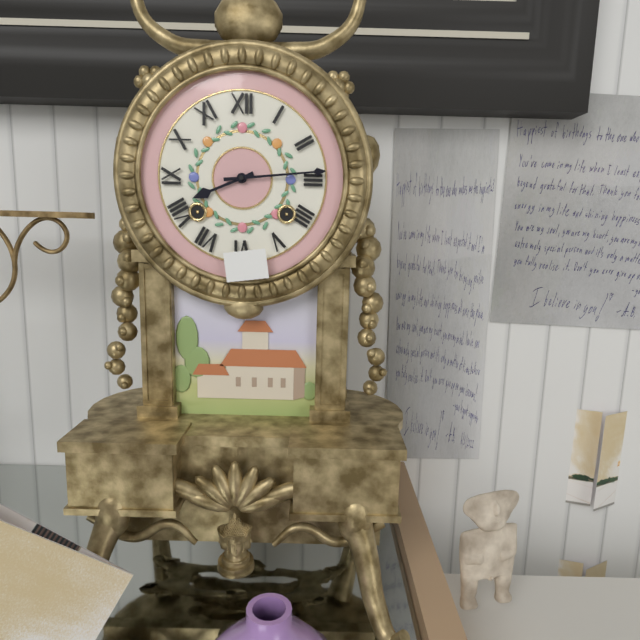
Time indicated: {"hour": 8, "minute": 14}
